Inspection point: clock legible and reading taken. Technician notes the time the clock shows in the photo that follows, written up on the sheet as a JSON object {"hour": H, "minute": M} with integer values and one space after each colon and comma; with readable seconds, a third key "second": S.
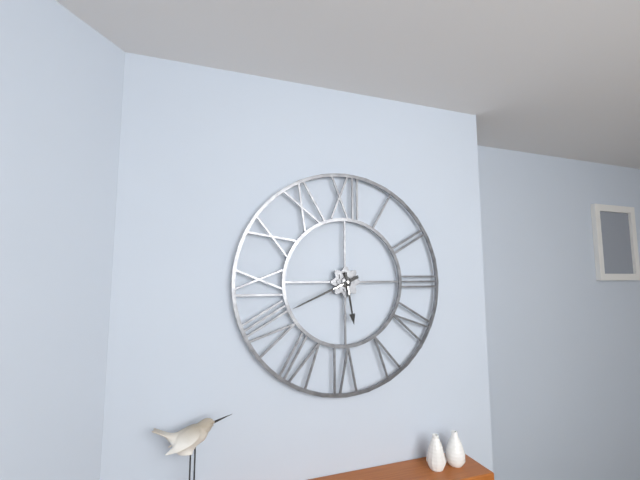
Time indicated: {"hour": 5, "minute": 41}
